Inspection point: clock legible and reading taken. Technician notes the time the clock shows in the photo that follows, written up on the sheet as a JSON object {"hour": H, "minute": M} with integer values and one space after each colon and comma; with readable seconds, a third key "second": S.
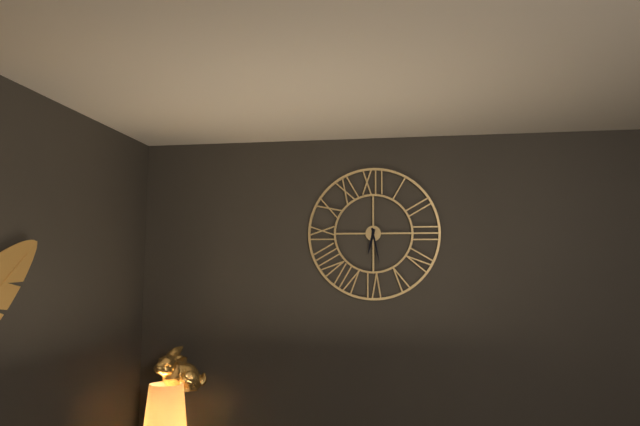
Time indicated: {"hour": 6, "minute": 28}
